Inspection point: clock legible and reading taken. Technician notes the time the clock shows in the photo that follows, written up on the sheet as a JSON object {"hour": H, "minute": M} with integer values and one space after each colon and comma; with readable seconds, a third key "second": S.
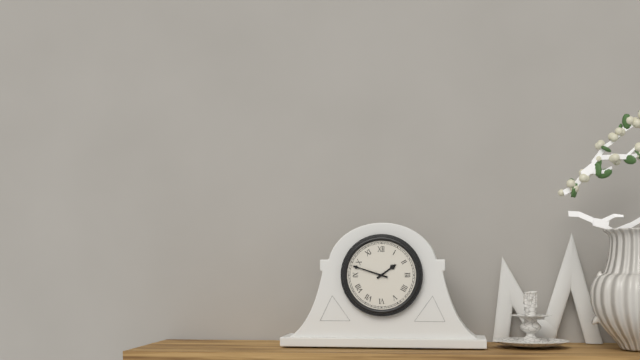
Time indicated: {"hour": 1, "minute": 48}
